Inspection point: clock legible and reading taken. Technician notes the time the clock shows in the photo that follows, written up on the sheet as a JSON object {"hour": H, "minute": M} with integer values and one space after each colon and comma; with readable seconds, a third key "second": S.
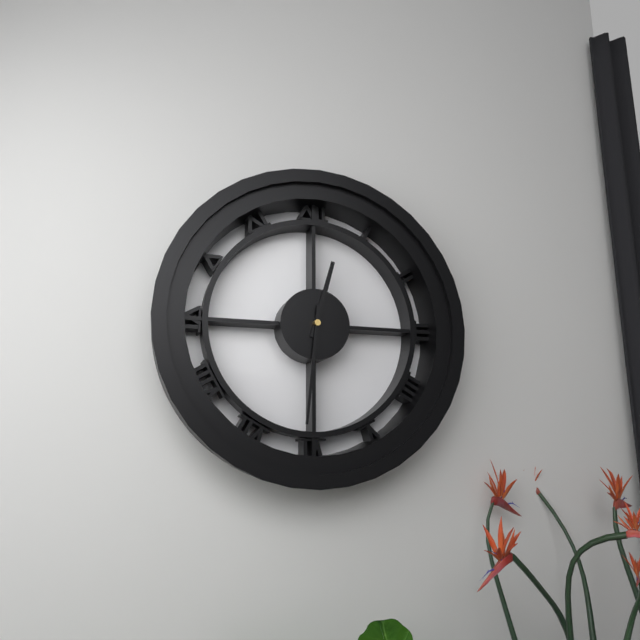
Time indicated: {"hour": 12, "minute": 31}
